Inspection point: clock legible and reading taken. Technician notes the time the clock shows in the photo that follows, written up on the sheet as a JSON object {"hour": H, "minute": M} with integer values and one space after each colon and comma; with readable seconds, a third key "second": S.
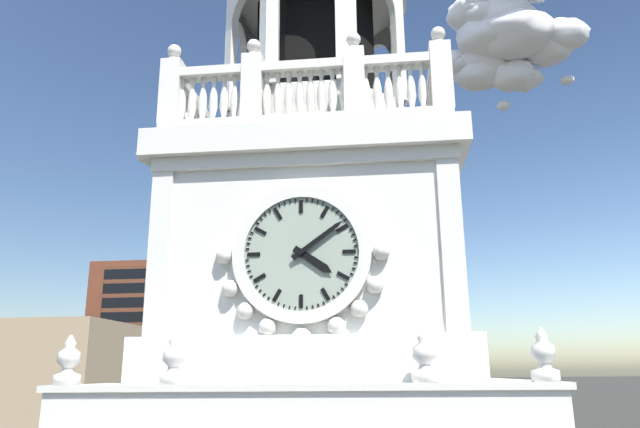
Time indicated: {"hour": 4, "minute": 9}
